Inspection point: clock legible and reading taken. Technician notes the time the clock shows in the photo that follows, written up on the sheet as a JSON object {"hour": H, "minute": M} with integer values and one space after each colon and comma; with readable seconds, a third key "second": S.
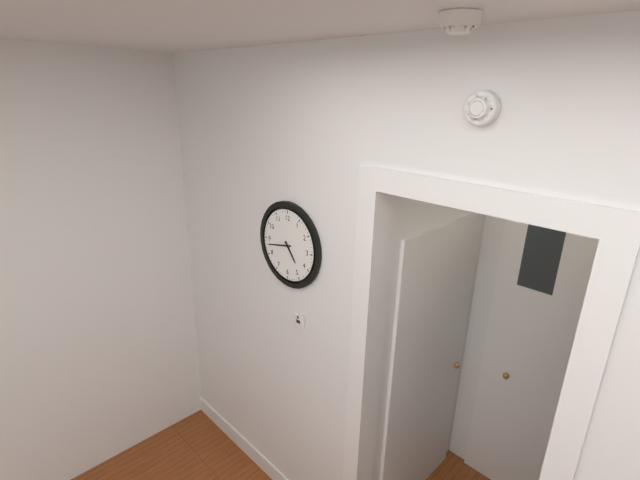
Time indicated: {"hour": 4, "minute": 43}
